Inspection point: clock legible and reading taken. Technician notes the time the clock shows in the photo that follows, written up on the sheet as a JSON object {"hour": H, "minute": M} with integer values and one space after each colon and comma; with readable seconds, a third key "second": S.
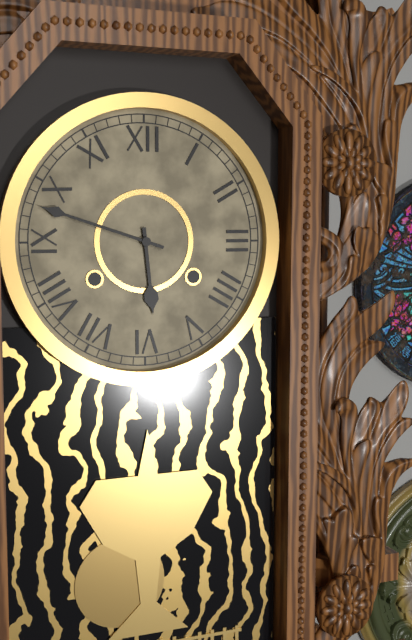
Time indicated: {"hour": 5, "minute": 48}
